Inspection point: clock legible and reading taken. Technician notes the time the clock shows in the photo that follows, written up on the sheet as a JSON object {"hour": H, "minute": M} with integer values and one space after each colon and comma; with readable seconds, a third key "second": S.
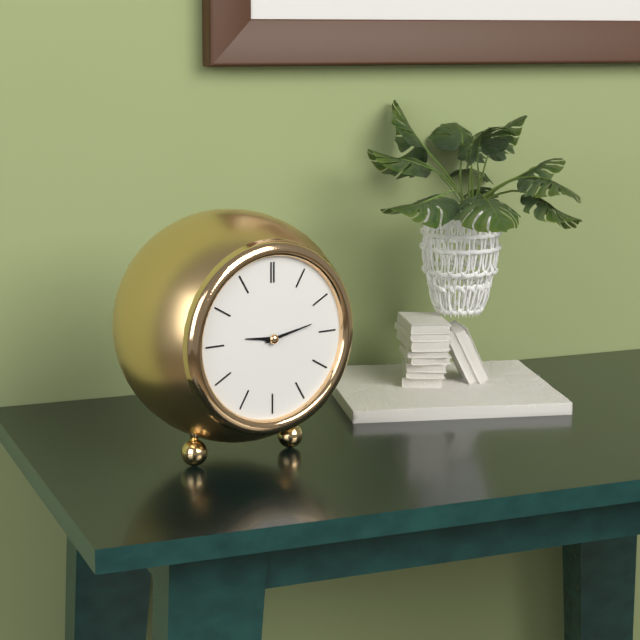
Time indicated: {"hour": 9, "minute": 13}
